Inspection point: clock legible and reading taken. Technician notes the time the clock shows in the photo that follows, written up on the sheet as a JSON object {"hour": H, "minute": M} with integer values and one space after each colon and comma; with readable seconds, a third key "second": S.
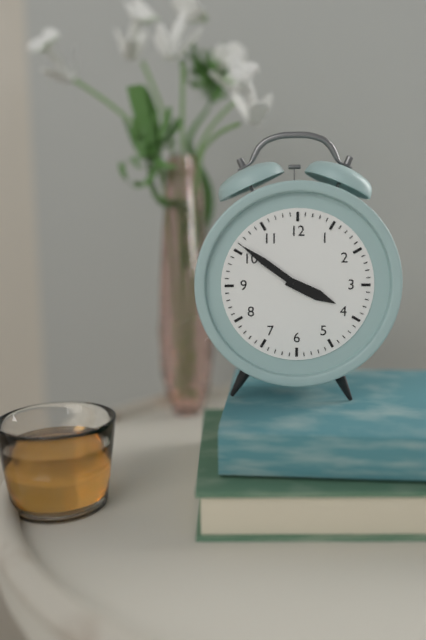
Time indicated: {"hour": 3, "minute": 51}
